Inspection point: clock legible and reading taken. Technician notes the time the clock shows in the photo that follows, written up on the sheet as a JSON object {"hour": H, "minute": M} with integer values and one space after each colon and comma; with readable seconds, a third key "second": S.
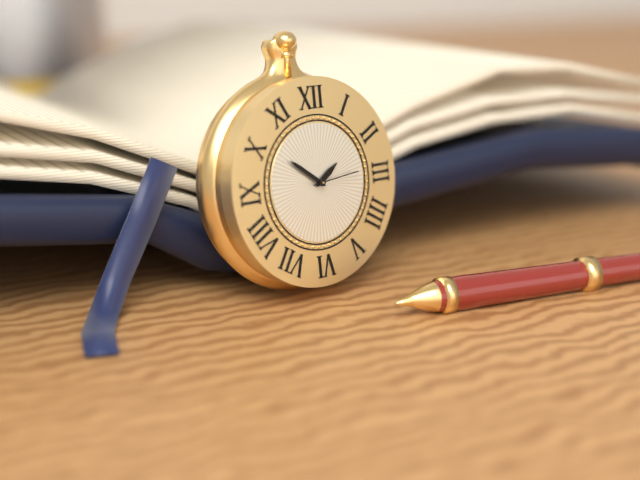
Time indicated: {"hour": 1, "minute": 51, "second": 14}
